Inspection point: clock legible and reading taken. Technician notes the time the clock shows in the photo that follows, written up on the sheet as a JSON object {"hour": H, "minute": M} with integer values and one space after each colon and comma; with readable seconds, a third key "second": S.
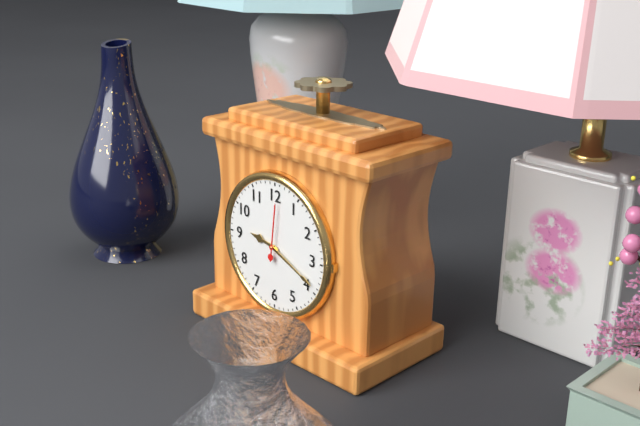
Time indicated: {"hour": 9, "minute": 19, "second": 1}
